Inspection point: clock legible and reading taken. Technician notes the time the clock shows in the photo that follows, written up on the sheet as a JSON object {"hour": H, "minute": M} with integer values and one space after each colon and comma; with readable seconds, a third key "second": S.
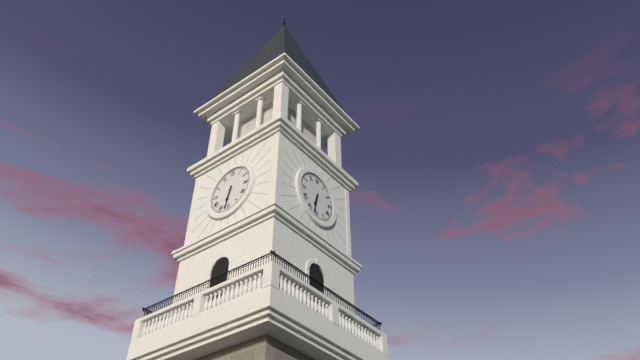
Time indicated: {"hour": 6, "minute": 32}
